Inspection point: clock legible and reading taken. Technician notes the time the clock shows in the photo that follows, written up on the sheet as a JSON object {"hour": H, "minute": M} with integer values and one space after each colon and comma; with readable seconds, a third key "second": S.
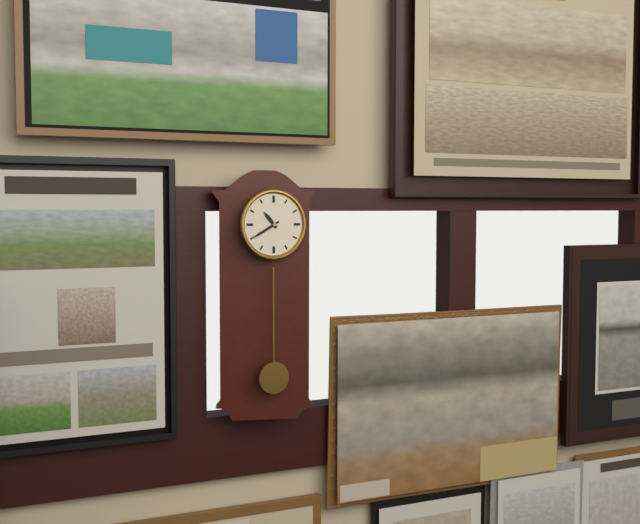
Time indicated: {"hour": 10, "minute": 40}
